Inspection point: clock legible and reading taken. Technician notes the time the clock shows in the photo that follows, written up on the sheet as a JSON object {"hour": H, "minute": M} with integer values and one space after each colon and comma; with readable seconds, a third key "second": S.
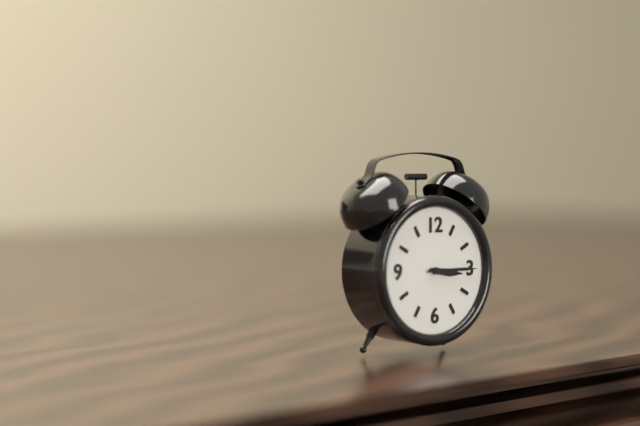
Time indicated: {"hour": 3, "minute": 15}
